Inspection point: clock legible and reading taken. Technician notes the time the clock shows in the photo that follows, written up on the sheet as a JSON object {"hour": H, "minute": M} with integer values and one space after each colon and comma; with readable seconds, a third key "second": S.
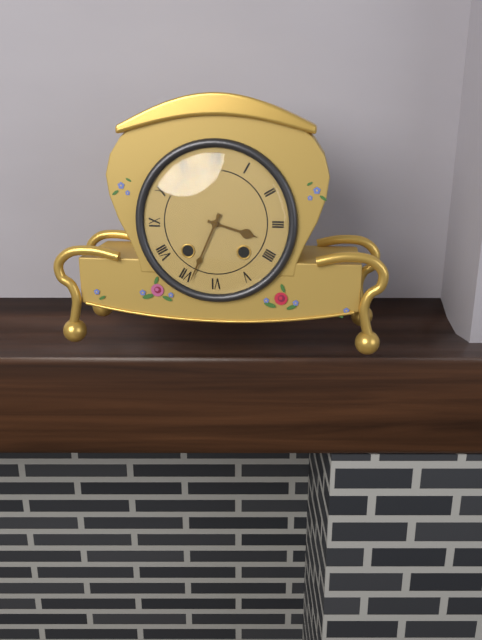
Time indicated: {"hour": 3, "minute": 34}
